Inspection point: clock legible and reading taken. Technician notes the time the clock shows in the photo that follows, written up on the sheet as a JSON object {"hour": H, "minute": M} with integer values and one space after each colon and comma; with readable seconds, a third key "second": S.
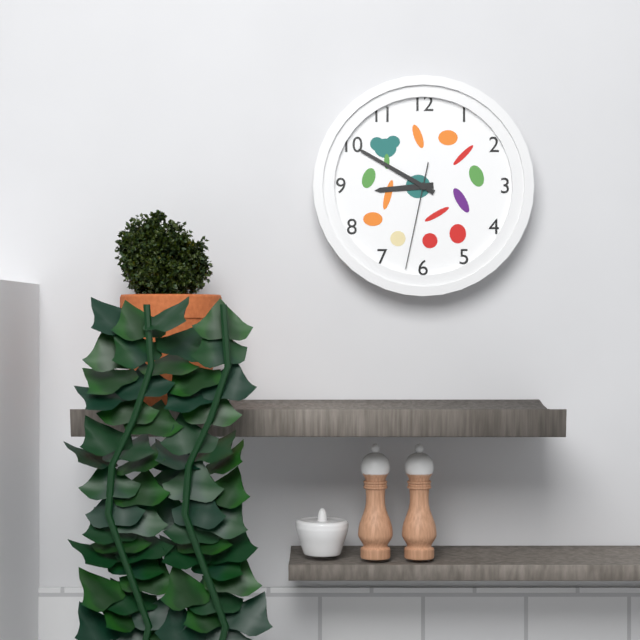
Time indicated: {"hour": 8, "minute": 50, "second": 32}
